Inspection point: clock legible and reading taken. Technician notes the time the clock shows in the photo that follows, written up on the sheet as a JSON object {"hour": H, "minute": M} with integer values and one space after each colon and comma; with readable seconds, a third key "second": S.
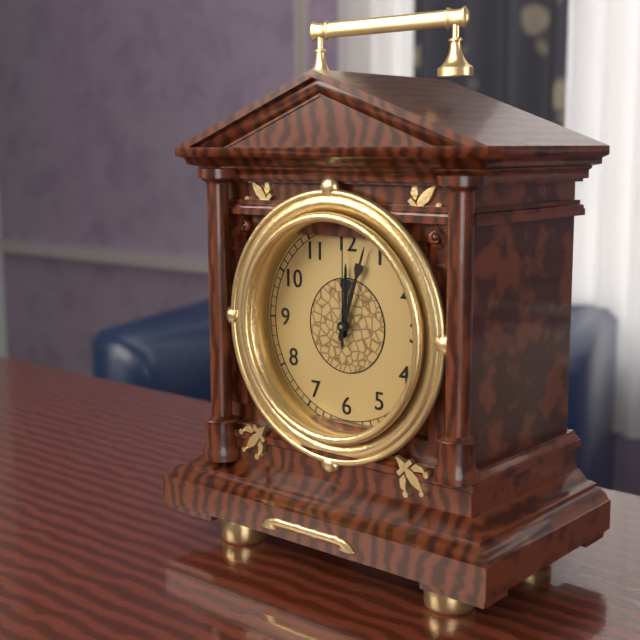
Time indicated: {"hour": 12, "minute": 3, "second": 0}
